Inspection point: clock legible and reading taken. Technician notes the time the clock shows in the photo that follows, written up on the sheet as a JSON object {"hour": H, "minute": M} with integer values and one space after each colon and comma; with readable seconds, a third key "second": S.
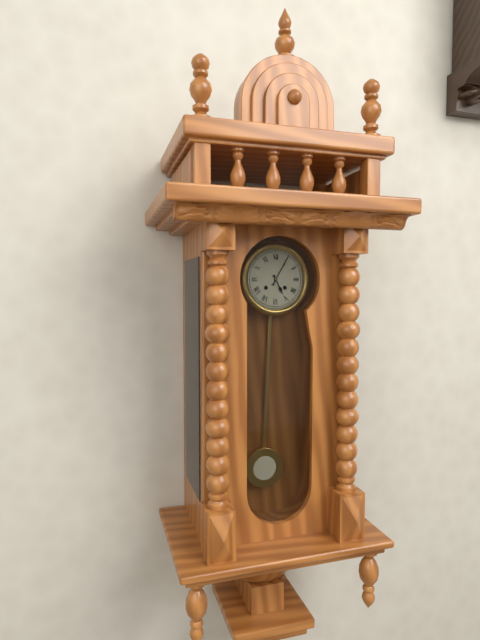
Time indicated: {"hour": 5, "minute": 5}
